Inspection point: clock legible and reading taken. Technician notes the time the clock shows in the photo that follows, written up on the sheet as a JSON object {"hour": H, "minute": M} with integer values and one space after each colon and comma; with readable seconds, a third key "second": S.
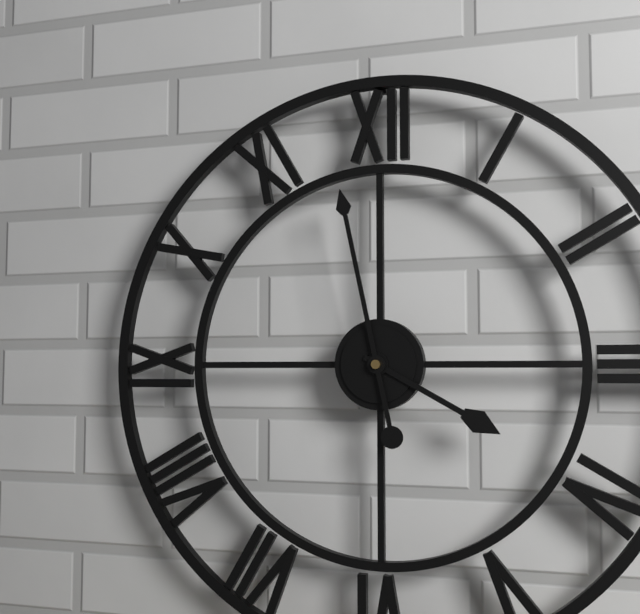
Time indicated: {"hour": 3, "minute": 58}
